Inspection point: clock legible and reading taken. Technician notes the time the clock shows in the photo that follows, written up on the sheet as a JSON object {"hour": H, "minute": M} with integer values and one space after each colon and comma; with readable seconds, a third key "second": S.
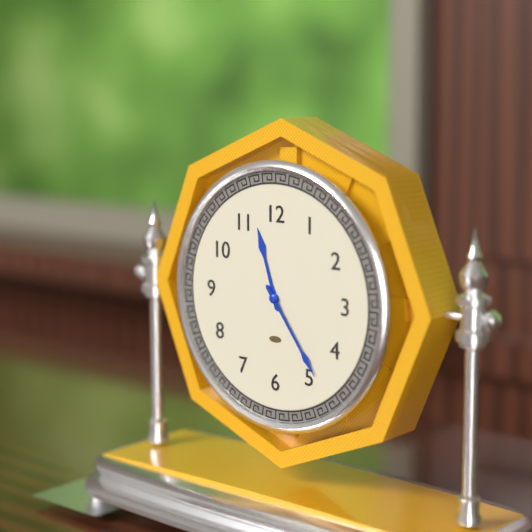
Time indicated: {"hour": 11, "minute": 24}
